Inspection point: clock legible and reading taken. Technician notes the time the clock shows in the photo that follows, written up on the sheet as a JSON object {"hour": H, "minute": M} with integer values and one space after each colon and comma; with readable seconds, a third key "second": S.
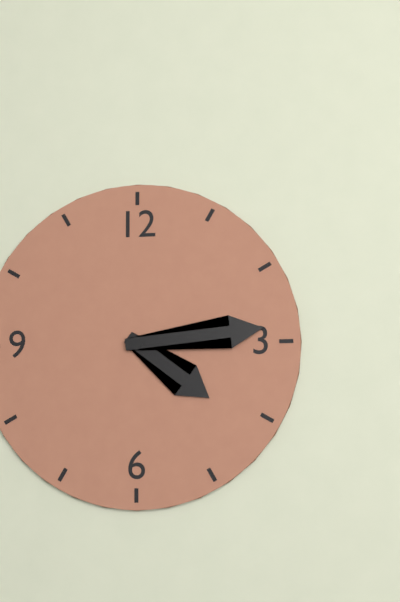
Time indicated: {"hour": 4, "minute": 14}
